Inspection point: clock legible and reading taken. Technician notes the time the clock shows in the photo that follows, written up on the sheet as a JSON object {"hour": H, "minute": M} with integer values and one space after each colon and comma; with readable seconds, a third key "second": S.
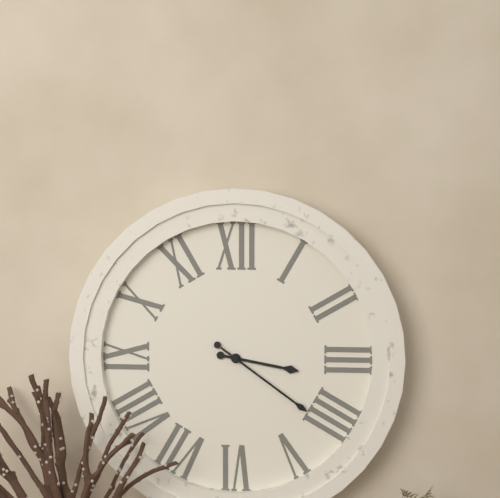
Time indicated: {"hour": 3, "minute": 21}
